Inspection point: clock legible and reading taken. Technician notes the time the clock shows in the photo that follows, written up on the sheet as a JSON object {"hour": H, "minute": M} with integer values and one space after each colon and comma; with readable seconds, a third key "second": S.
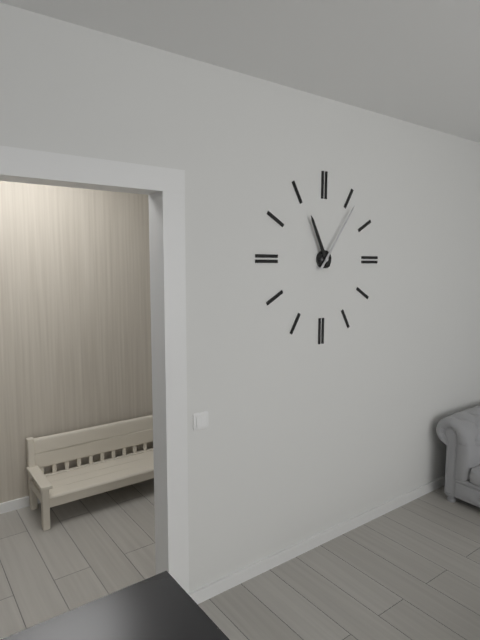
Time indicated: {"hour": 11, "minute": 6}
